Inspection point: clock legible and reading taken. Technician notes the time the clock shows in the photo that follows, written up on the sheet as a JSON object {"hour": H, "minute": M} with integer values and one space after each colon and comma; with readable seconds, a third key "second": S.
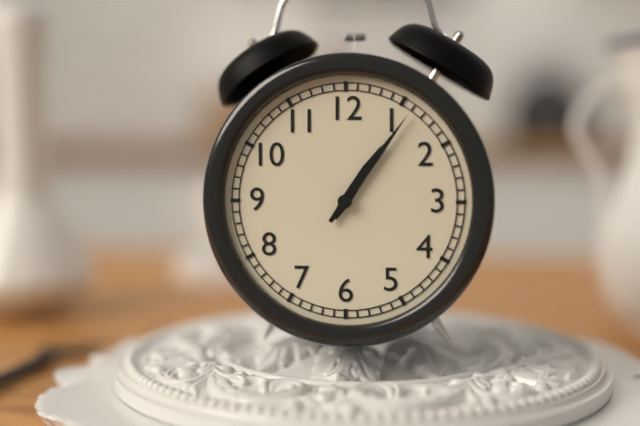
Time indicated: {"hour": 1, "minute": 6}
